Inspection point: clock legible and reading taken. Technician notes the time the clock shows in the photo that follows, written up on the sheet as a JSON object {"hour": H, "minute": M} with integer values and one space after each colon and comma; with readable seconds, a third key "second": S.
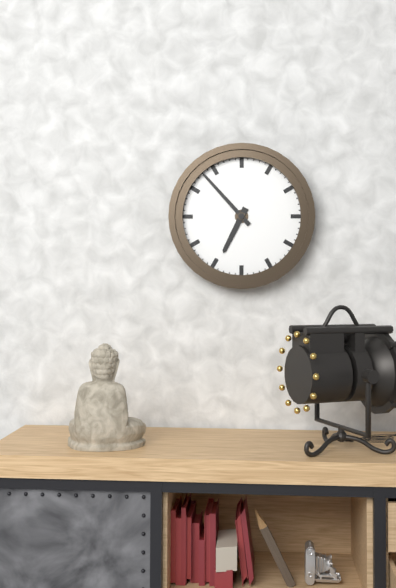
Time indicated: {"hour": 6, "minute": 53}
